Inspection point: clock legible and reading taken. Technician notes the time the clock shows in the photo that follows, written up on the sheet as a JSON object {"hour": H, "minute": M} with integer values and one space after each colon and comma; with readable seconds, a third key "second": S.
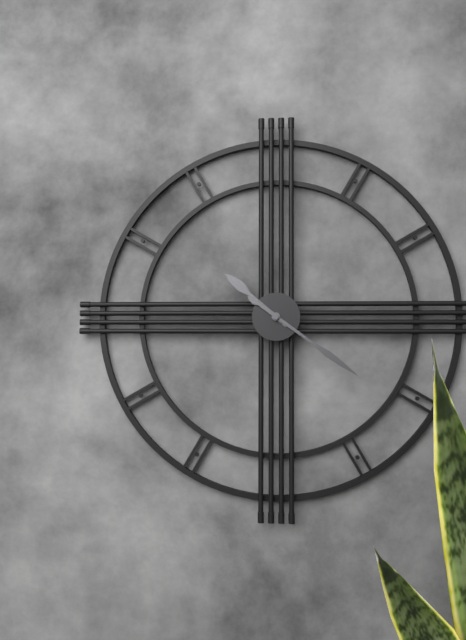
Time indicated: {"hour": 10, "minute": 21}
